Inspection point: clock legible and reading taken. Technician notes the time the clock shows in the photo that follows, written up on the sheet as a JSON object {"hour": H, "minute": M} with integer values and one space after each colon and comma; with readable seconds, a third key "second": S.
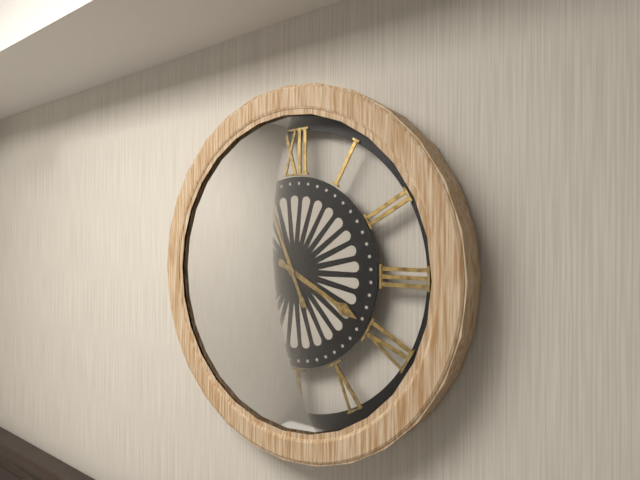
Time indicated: {"hour": 3, "minute": 56}
